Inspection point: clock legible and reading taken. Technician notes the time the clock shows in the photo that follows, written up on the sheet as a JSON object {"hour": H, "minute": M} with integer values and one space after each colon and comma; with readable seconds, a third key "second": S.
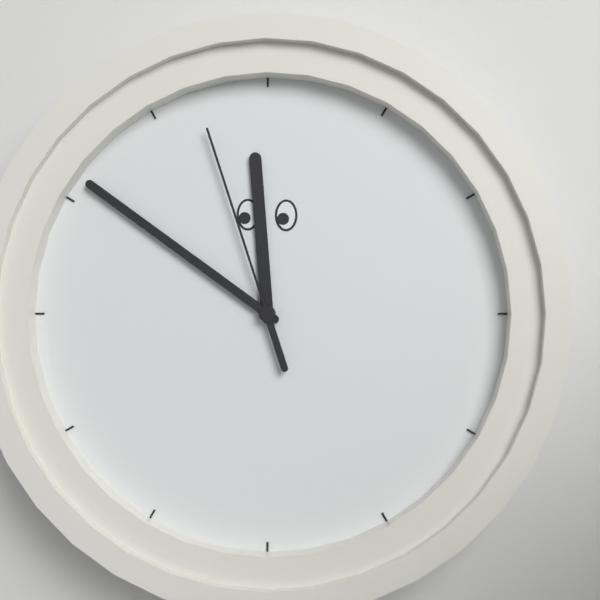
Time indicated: {"hour": 11, "minute": 51, "second": 57}
